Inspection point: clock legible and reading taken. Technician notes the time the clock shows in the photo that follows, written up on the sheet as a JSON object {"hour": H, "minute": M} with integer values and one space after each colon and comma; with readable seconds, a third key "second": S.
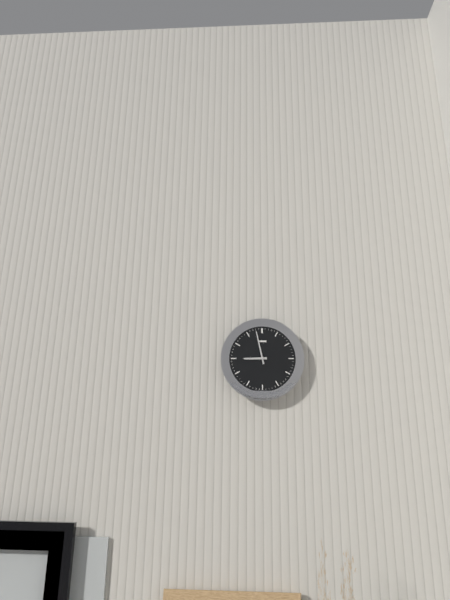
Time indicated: {"hour": 8, "minute": 58}
